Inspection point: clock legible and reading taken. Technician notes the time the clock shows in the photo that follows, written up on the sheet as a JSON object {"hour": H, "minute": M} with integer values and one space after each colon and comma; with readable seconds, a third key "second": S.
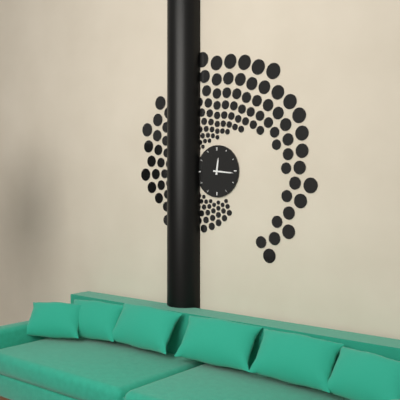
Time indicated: {"hour": 12, "minute": 16}
